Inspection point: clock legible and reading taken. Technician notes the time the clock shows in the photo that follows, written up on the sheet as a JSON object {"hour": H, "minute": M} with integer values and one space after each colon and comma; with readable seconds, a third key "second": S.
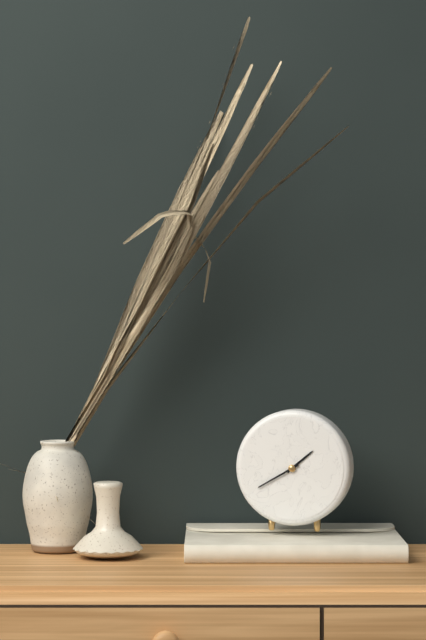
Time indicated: {"hour": 1, "minute": 40}
